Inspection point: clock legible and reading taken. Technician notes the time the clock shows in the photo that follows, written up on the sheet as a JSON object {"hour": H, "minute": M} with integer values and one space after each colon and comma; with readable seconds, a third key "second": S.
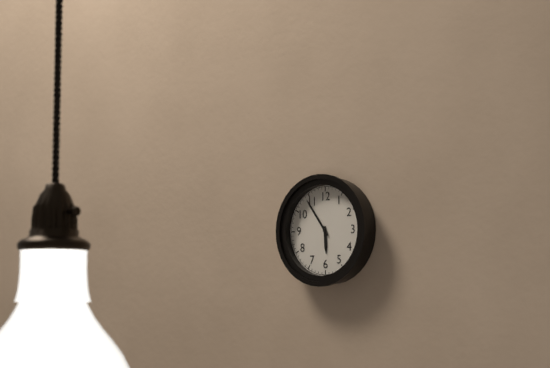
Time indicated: {"hour": 5, "minute": 54}
